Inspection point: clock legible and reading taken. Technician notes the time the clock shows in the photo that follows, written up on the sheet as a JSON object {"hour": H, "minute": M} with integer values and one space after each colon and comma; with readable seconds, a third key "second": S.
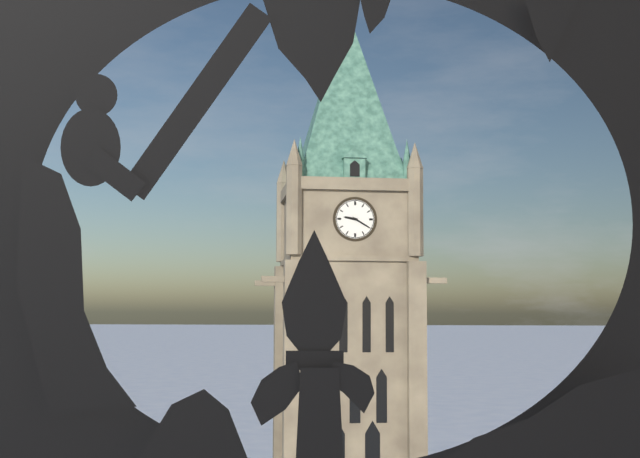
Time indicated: {"hour": 9, "minute": 20}
